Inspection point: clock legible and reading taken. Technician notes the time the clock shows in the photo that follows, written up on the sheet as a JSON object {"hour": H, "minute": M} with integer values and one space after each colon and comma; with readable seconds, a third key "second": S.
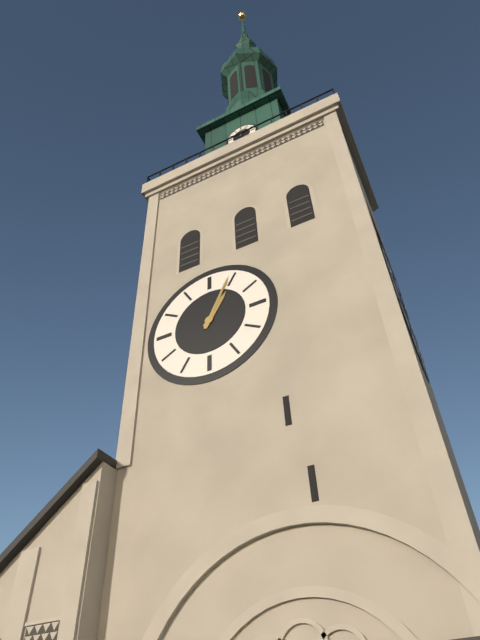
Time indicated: {"hour": 1, "minute": 4}
